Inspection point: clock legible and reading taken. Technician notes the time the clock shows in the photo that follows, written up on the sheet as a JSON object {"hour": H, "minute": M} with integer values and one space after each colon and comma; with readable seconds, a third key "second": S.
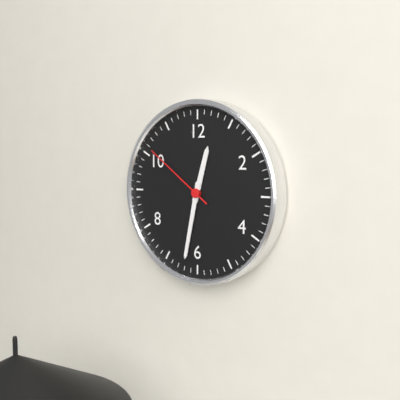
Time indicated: {"hour": 12, "minute": 32, "second": 51}
